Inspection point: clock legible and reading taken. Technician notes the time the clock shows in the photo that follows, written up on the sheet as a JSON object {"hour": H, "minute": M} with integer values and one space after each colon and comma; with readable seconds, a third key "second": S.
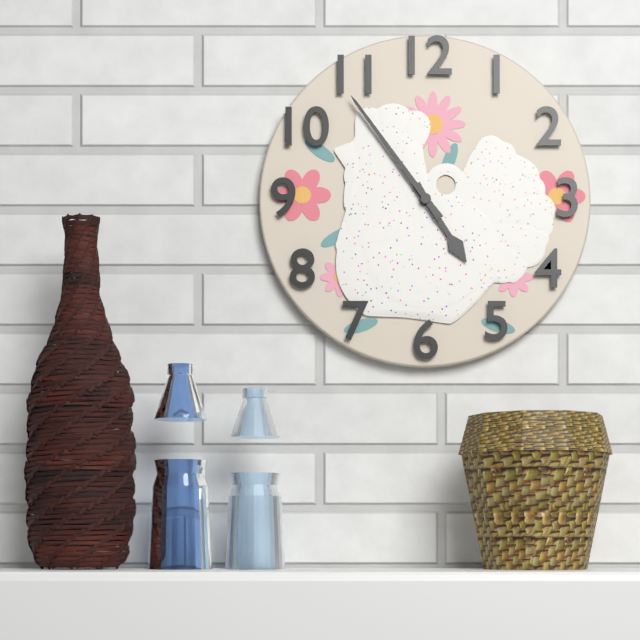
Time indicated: {"hour": 4, "minute": 54}
